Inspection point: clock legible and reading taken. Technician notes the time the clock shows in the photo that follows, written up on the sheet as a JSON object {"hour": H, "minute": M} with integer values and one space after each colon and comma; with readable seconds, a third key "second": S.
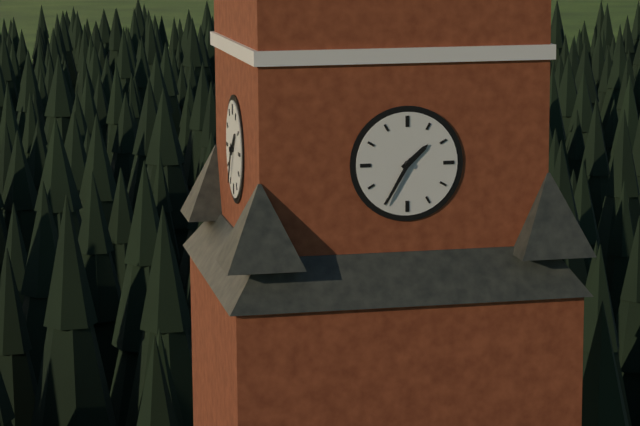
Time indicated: {"hour": 1, "minute": 35}
